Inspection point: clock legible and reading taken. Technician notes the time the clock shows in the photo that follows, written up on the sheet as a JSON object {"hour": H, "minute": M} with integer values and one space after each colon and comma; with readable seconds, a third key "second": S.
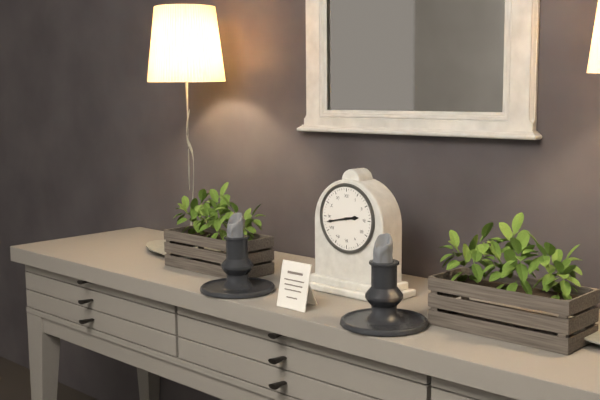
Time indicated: {"hour": 2, "minute": 43}
